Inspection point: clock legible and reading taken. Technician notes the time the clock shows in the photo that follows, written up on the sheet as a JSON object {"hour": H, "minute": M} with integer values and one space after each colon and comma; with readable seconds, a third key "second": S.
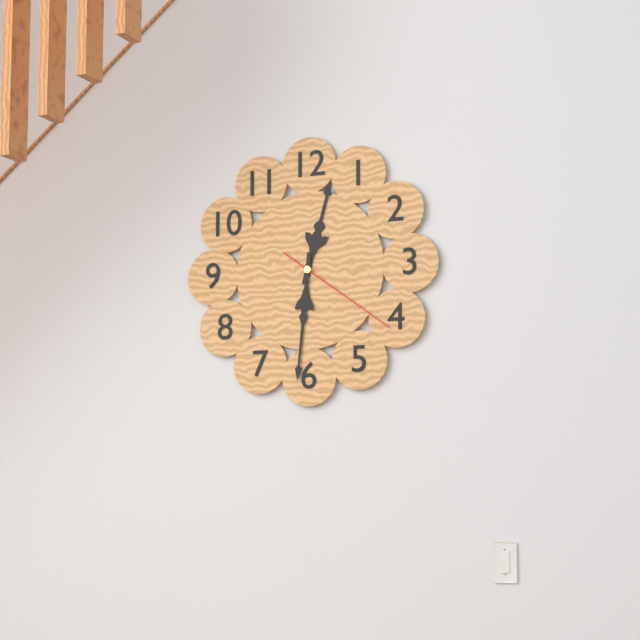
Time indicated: {"hour": 12, "minute": 31, "second": 21}
